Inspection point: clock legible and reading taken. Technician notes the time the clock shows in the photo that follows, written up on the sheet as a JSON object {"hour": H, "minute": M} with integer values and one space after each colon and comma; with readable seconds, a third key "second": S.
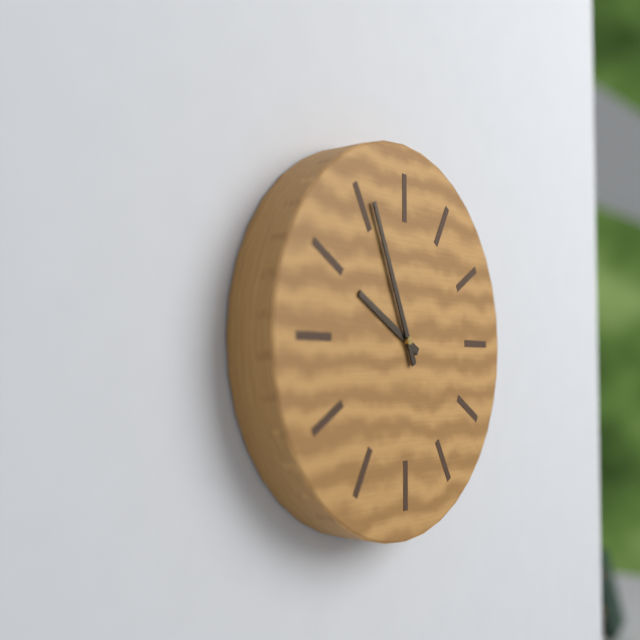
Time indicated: {"hour": 9, "minute": 56}
